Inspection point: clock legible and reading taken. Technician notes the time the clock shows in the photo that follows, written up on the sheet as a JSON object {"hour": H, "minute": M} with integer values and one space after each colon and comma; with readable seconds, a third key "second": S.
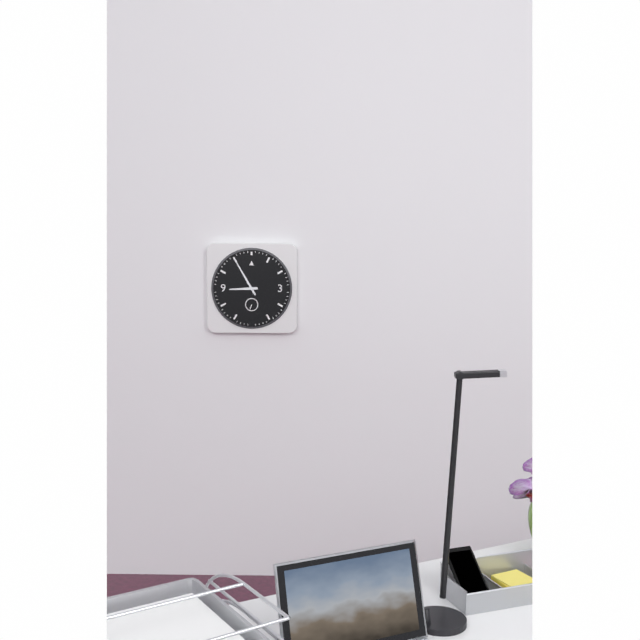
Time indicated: {"hour": 8, "minute": 55}
